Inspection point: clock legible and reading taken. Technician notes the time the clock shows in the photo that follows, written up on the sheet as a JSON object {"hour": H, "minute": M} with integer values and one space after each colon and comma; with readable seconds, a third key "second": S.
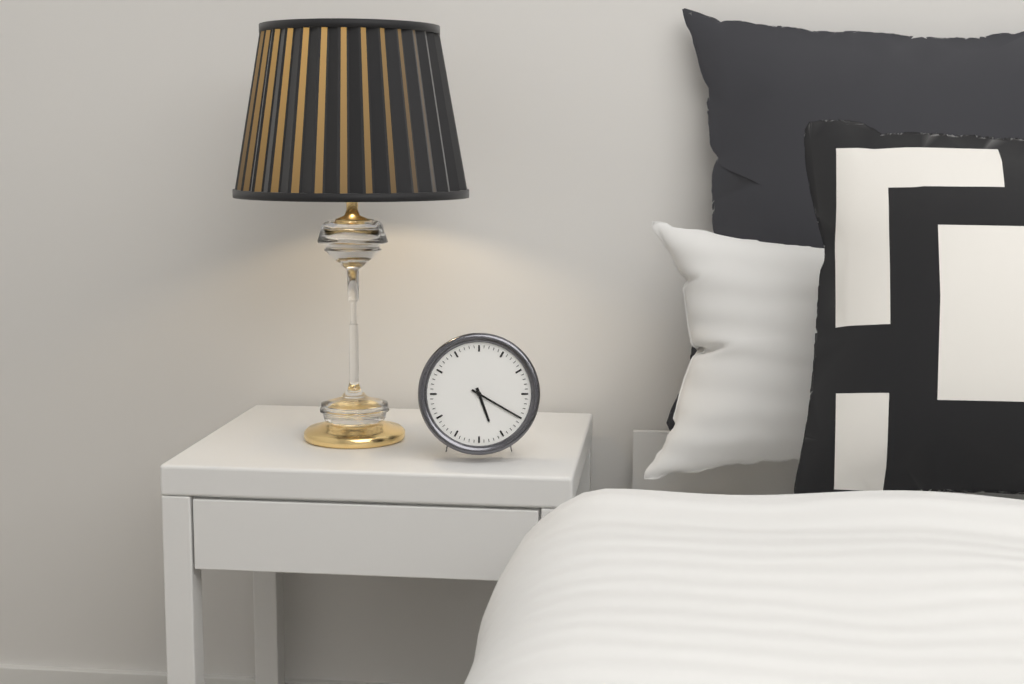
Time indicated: {"hour": 5, "minute": 20}
